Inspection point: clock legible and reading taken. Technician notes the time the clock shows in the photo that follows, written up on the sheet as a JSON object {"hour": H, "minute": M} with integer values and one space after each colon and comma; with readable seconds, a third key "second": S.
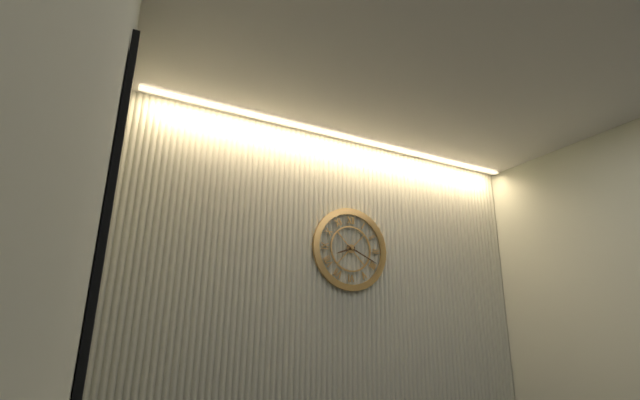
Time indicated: {"hour": 8, "minute": 19}
